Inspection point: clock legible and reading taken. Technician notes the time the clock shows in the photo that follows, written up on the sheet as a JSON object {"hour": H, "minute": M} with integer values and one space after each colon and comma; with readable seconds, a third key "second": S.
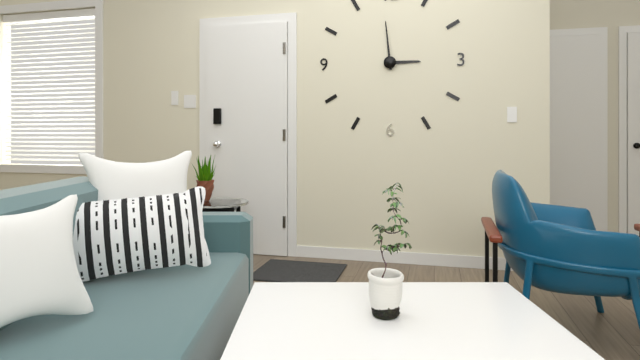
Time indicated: {"hour": 2, "minute": 59}
